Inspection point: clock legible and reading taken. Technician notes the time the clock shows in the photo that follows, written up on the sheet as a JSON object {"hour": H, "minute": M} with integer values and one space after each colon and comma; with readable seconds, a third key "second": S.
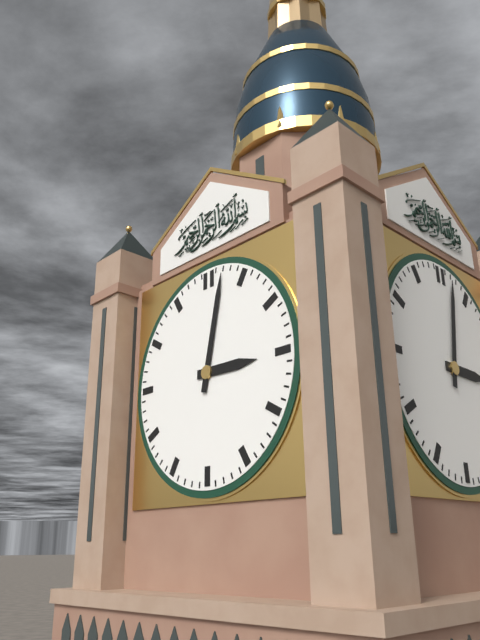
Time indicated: {"hour": 3, "minute": 2}
